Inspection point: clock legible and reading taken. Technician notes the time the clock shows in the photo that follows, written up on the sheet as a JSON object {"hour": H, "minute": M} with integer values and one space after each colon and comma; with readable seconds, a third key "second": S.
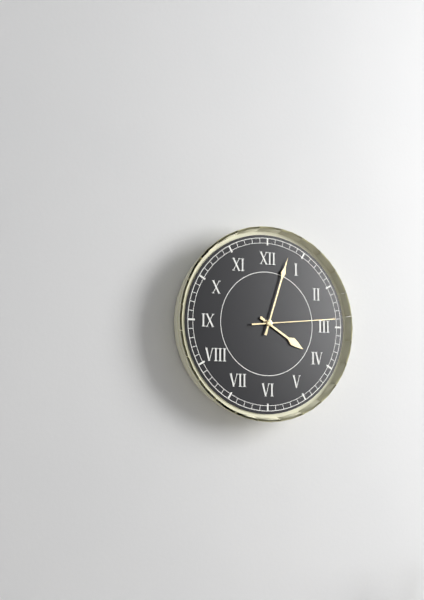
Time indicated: {"hour": 4, "minute": 3, "second": 14}
